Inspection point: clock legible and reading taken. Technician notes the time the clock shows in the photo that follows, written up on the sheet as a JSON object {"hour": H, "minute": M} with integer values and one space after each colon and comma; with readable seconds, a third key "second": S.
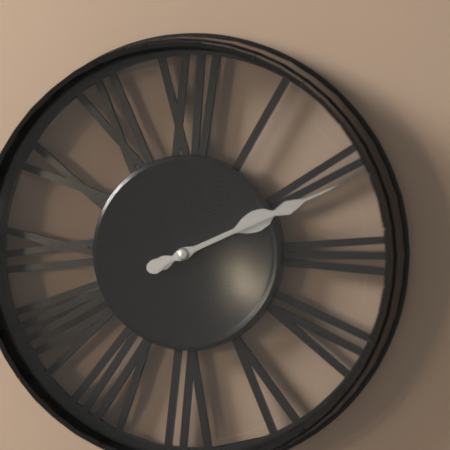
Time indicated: {"hour": 2, "minute": 11}
